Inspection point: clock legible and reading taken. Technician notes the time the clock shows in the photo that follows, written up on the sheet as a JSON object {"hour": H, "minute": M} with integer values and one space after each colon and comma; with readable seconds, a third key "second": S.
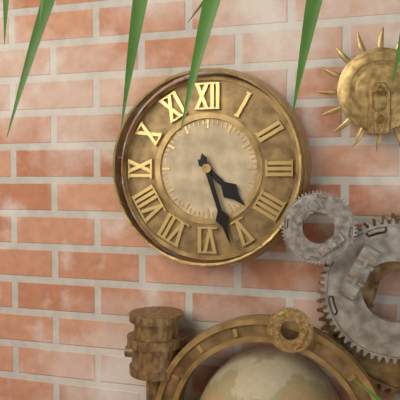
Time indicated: {"hour": 4, "minute": 27}
